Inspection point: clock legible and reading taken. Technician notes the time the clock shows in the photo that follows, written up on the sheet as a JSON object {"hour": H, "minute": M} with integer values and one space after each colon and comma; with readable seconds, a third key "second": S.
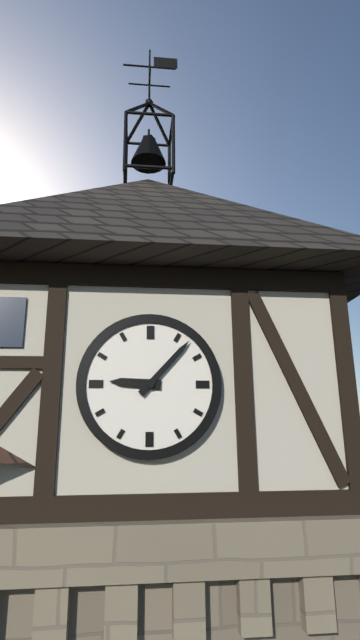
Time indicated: {"hour": 9, "minute": 7}
